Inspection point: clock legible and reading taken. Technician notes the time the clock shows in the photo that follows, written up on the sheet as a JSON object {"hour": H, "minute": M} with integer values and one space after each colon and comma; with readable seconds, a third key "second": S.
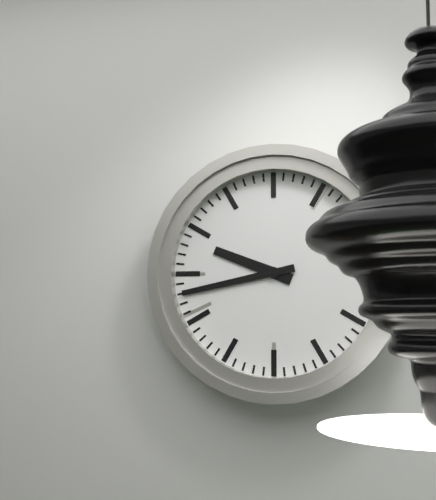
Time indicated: {"hour": 9, "minute": 43}
